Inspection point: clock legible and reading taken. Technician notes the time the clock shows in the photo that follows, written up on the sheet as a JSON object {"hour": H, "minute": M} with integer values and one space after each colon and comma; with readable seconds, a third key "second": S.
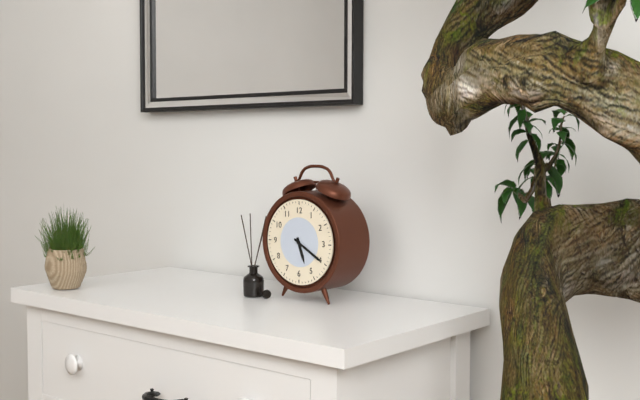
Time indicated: {"hour": 5, "minute": 20}
